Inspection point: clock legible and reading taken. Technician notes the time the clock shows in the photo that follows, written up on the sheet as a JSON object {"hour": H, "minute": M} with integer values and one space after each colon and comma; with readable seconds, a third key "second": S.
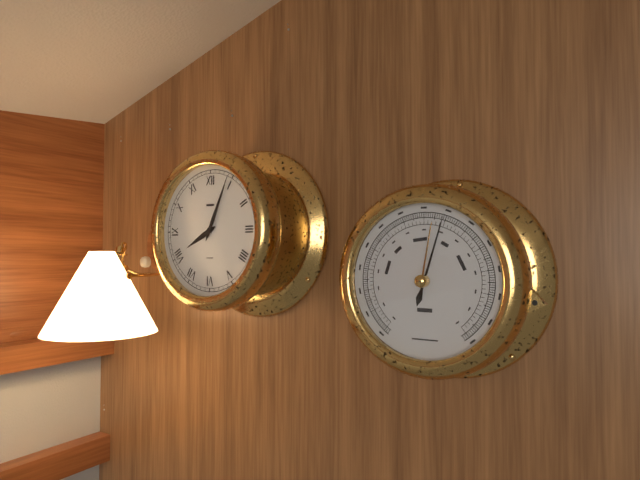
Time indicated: {"hour": 8, "minute": 4}
